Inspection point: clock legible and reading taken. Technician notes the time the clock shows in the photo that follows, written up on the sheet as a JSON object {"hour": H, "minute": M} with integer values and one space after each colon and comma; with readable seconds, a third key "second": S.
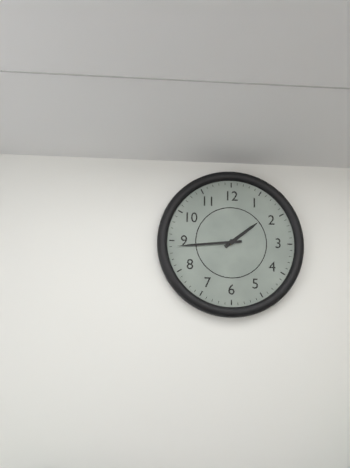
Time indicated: {"hour": 1, "minute": 44}
